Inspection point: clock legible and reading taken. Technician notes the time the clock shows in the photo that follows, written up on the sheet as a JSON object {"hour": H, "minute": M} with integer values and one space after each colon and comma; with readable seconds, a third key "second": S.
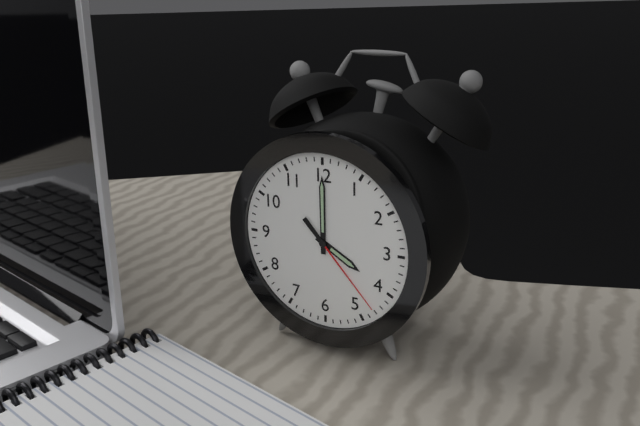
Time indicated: {"hour": 4, "minute": 0, "second": 23}
